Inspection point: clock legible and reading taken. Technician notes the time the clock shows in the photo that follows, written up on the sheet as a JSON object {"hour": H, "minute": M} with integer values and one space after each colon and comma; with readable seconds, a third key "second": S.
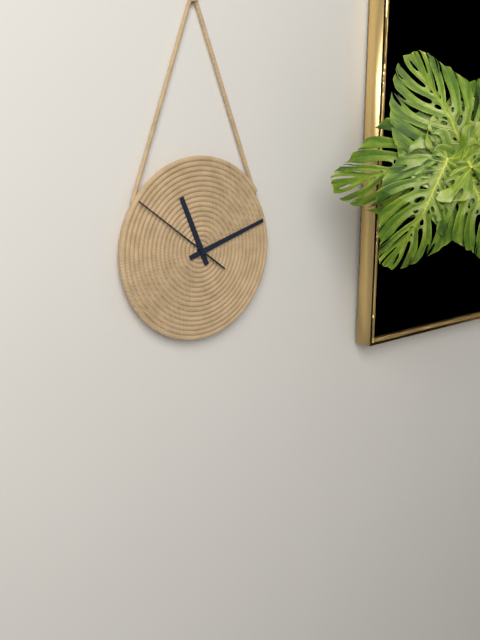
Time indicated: {"hour": 11, "minute": 12, "second": 51}
